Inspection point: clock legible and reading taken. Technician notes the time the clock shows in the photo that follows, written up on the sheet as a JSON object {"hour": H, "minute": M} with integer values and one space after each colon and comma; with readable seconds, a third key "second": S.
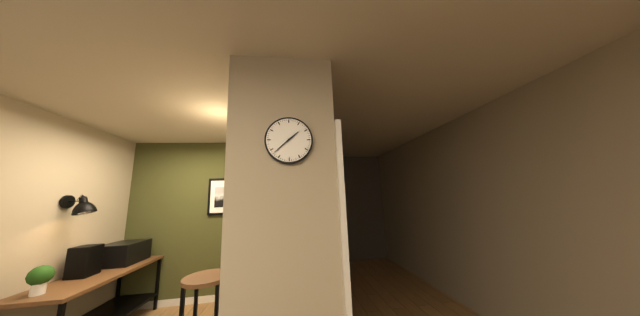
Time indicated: {"hour": 1, "minute": 38}
